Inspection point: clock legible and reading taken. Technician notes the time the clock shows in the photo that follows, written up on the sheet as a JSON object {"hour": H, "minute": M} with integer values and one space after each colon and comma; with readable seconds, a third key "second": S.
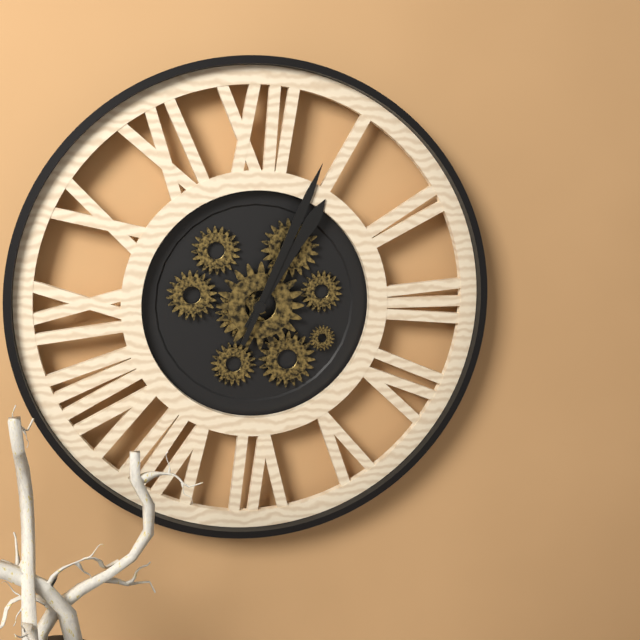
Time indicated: {"hour": 1, "minute": 4}
